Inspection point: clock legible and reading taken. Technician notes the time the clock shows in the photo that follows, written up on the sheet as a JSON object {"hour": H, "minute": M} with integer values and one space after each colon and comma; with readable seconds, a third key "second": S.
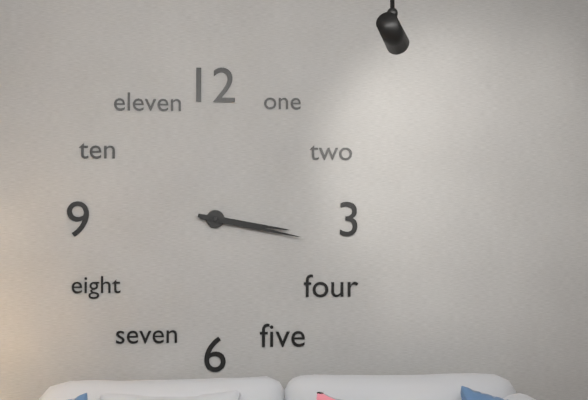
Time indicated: {"hour": 3, "minute": 17}
